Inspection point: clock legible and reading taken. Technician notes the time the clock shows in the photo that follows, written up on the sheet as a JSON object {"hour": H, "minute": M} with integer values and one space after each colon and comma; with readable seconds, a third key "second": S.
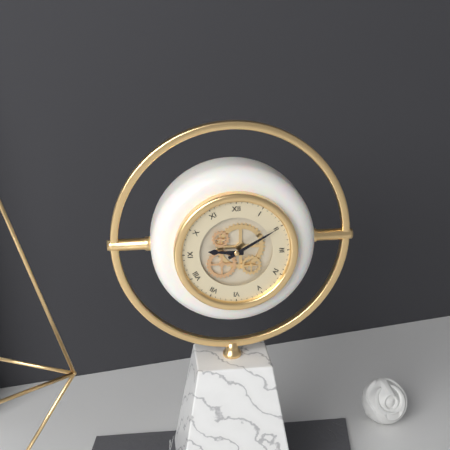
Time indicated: {"hour": 9, "minute": 10}
